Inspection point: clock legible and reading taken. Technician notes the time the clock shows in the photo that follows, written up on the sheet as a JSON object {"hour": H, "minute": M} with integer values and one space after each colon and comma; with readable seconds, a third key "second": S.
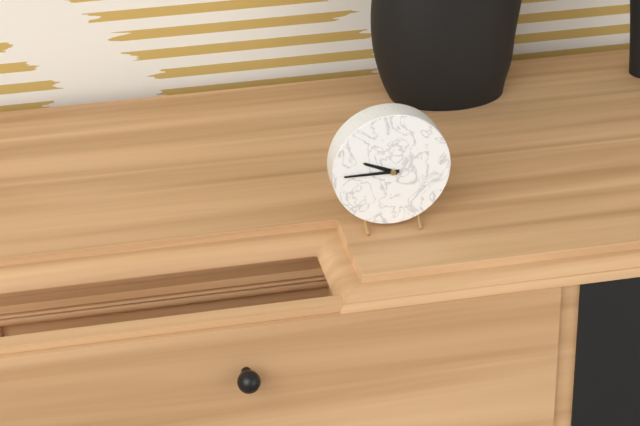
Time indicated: {"hour": 9, "minute": 45}
